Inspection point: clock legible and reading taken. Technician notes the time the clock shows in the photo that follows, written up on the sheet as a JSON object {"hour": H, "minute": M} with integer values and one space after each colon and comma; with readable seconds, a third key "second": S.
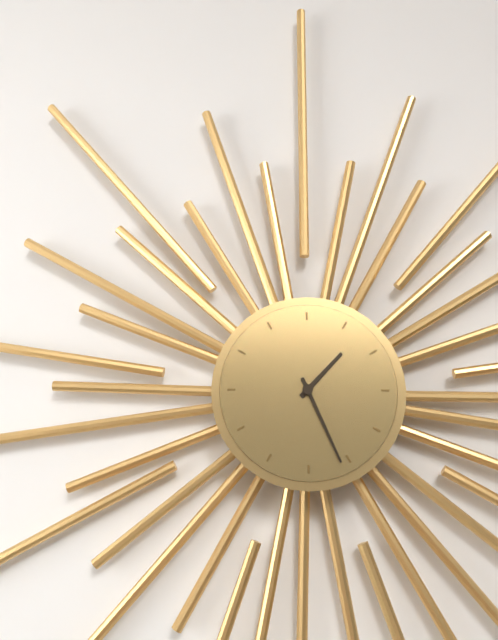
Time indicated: {"hour": 1, "minute": 26}
